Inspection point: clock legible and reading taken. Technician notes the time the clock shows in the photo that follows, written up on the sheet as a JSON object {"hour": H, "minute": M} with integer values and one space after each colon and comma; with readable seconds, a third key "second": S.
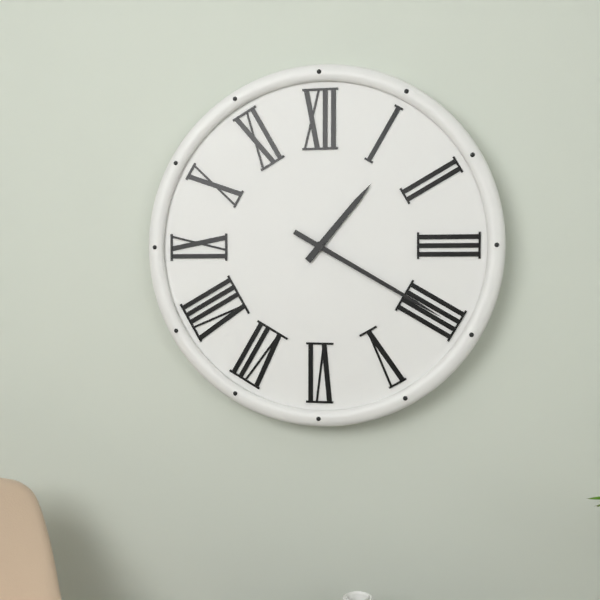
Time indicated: {"hour": 1, "minute": 20}
